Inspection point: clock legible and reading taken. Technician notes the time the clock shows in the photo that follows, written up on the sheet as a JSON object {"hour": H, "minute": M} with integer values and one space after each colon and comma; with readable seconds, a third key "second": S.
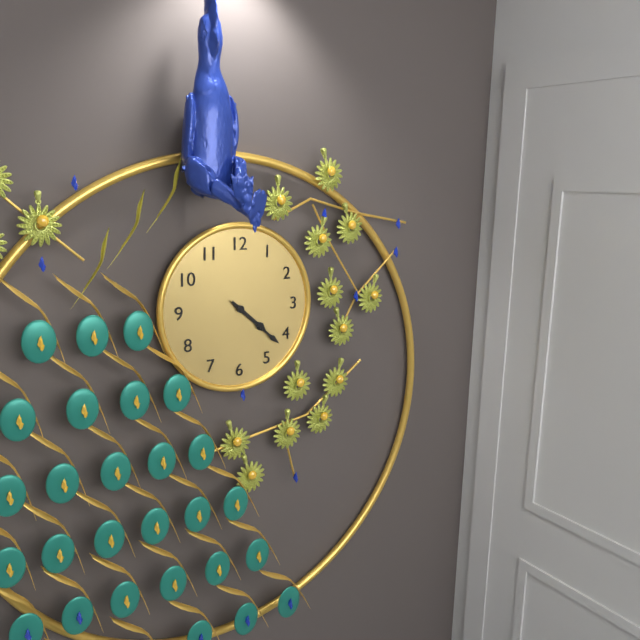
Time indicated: {"hour": 4, "minute": 22}
